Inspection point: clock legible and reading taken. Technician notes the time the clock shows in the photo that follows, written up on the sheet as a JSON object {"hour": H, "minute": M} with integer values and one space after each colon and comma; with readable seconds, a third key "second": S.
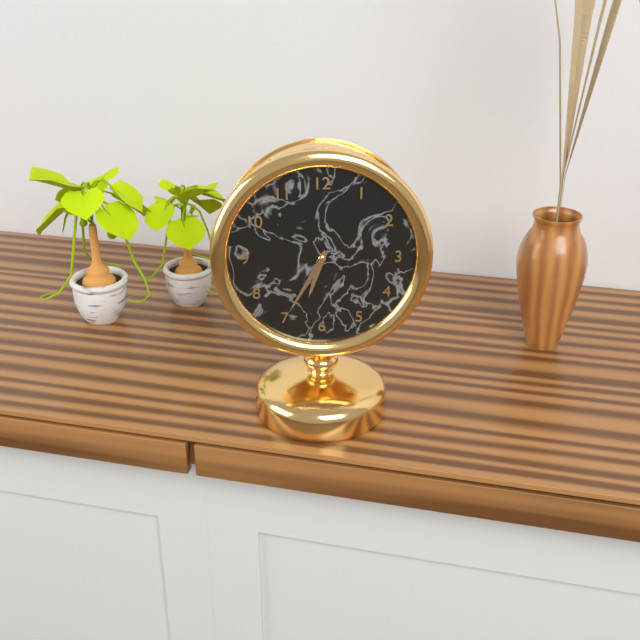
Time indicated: {"hour": 6, "minute": 35}
